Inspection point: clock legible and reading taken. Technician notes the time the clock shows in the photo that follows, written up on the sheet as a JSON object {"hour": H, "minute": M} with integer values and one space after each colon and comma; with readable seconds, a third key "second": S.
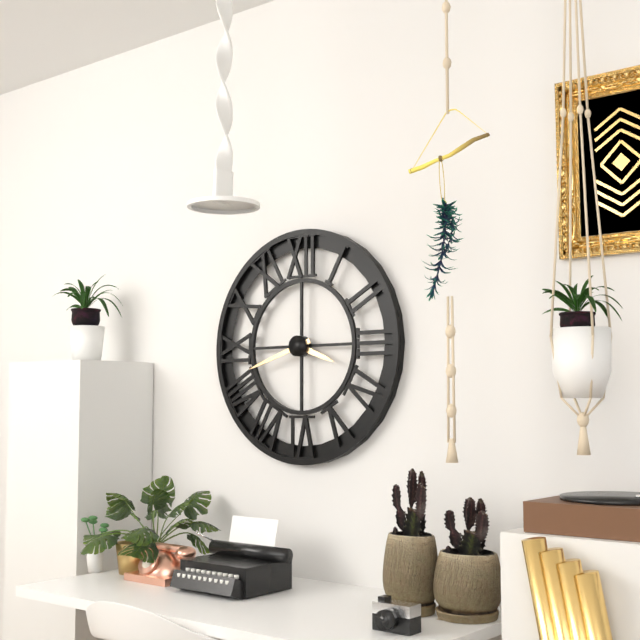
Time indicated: {"hour": 3, "minute": 42}
